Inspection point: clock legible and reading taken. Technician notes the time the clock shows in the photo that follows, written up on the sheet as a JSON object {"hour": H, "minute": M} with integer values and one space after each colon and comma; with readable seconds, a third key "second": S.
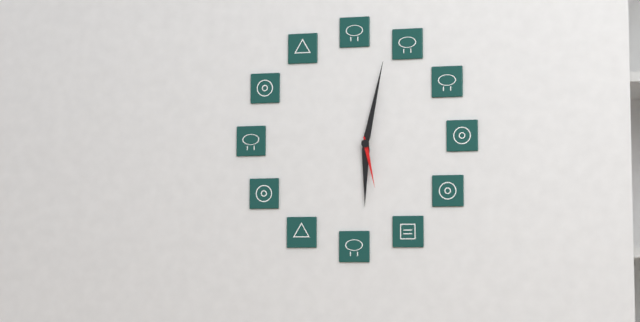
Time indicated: {"hour": 6, "minute": 2, "second": 28}
